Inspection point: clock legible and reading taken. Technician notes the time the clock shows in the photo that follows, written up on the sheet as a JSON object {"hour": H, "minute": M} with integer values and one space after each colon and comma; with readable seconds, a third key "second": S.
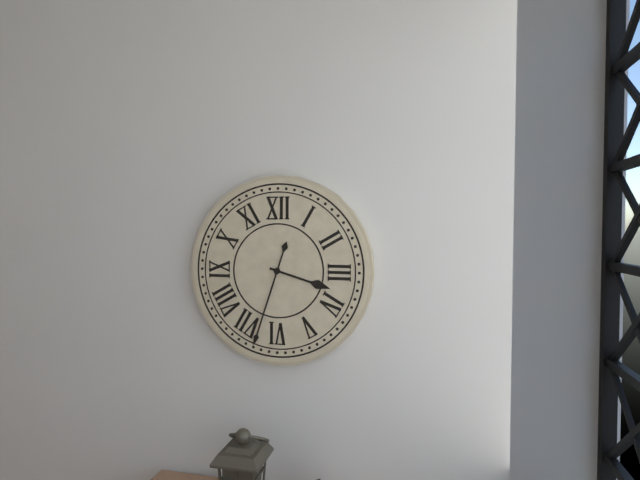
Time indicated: {"hour": 3, "minute": 33}
